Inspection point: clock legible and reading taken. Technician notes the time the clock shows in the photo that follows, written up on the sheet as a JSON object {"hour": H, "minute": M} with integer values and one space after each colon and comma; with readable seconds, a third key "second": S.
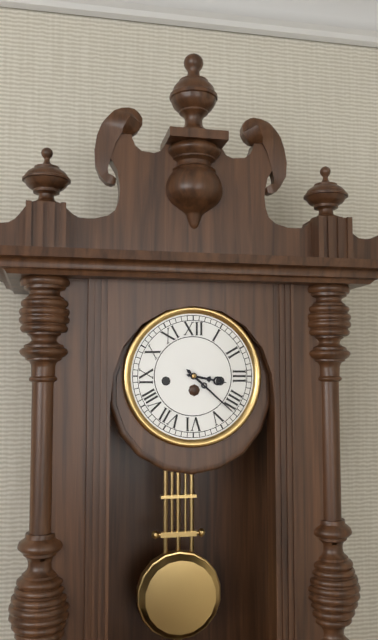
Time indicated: {"hour": 3, "minute": 22}
